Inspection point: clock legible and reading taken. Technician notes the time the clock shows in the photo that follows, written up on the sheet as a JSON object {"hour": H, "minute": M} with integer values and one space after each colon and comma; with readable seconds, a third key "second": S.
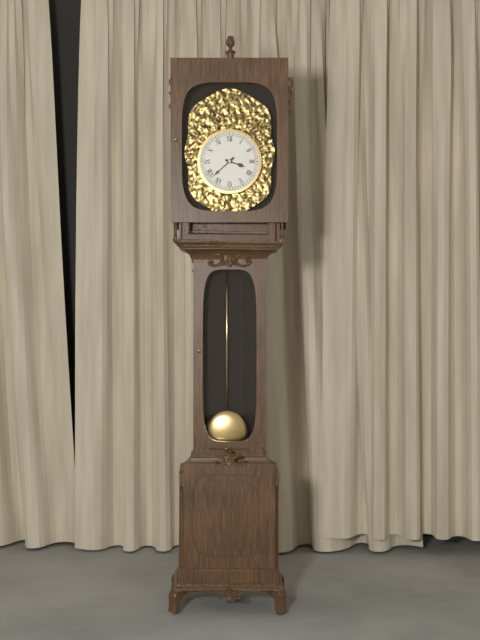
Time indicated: {"hour": 3, "minute": 38}
